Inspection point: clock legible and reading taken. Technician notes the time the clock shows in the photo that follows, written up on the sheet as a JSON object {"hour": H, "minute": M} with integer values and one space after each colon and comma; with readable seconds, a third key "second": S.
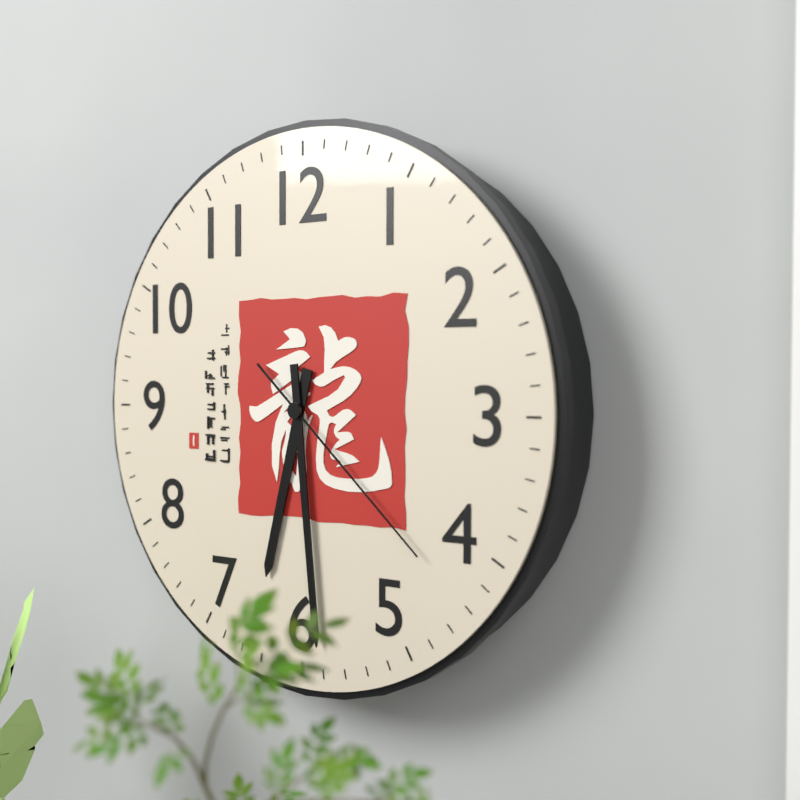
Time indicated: {"hour": 6, "minute": 29, "second": 22}
